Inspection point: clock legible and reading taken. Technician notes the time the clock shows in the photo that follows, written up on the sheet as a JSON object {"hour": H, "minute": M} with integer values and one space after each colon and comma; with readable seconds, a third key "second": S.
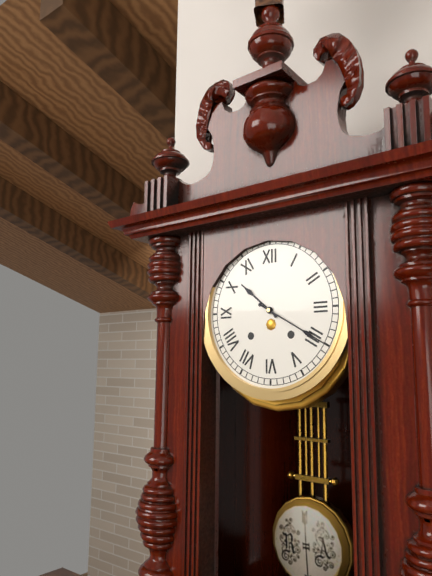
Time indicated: {"hour": 10, "minute": 20}
